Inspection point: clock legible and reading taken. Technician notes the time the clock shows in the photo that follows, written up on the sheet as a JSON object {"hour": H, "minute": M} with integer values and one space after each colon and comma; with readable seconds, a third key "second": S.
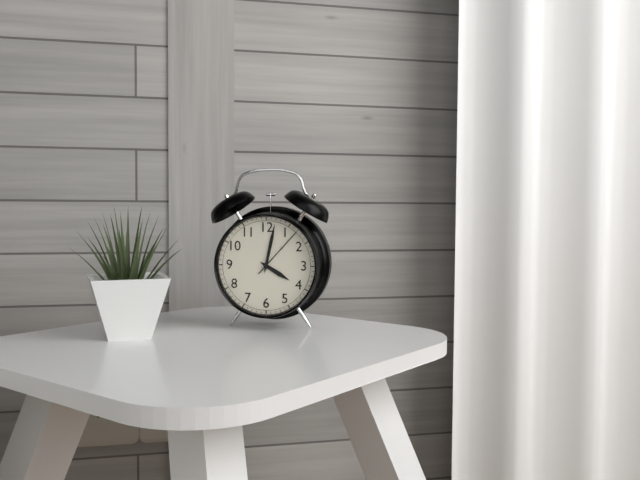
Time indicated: {"hour": 4, "minute": 2, "second": 7}
